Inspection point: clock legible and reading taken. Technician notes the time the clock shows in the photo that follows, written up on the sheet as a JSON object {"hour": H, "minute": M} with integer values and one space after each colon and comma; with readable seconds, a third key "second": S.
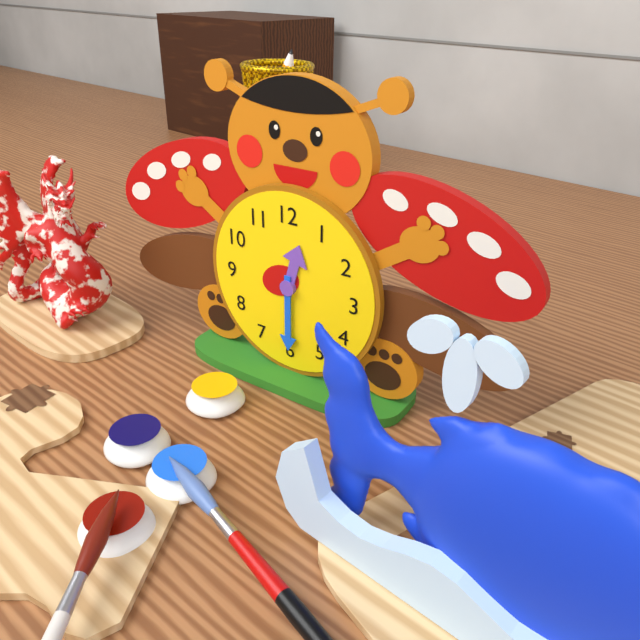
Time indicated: {"hour": 12, "minute": 30}
